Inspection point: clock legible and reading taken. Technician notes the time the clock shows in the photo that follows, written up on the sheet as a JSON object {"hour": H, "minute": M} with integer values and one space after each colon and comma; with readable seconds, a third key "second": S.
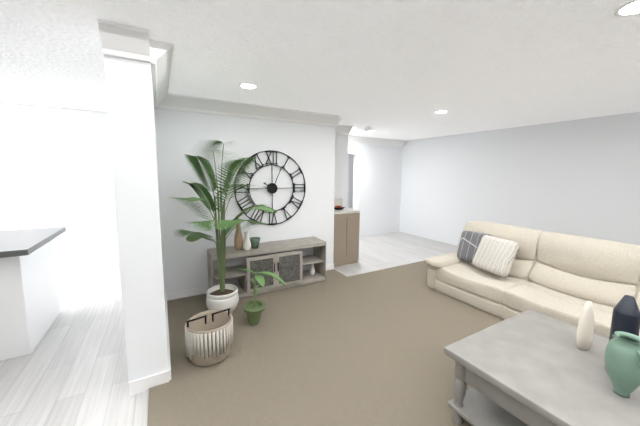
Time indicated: {"hour": 10, "minute": 4}
